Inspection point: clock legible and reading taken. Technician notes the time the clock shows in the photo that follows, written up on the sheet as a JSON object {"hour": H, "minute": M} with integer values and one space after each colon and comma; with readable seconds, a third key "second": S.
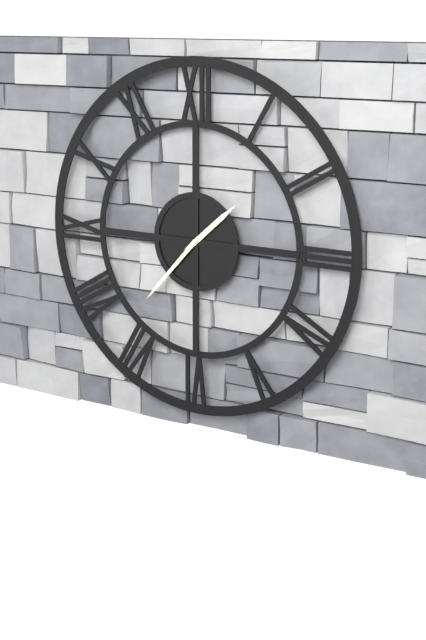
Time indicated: {"hour": 1, "minute": 37}
